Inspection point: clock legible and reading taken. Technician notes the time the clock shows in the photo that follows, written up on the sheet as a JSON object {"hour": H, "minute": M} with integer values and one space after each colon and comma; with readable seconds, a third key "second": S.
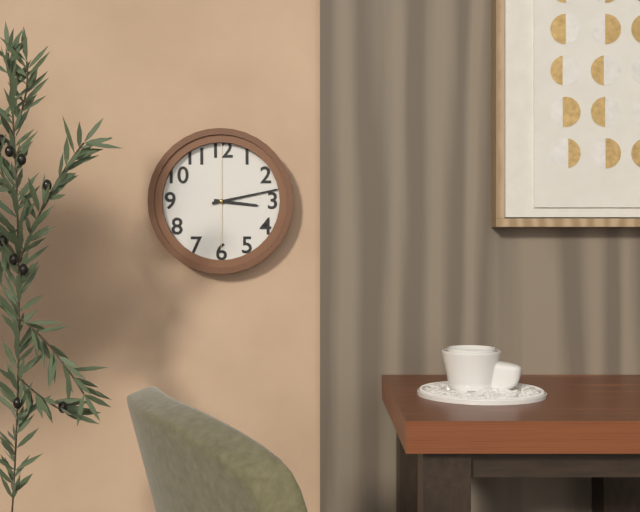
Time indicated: {"hour": 3, "minute": 13, "second": 0}
